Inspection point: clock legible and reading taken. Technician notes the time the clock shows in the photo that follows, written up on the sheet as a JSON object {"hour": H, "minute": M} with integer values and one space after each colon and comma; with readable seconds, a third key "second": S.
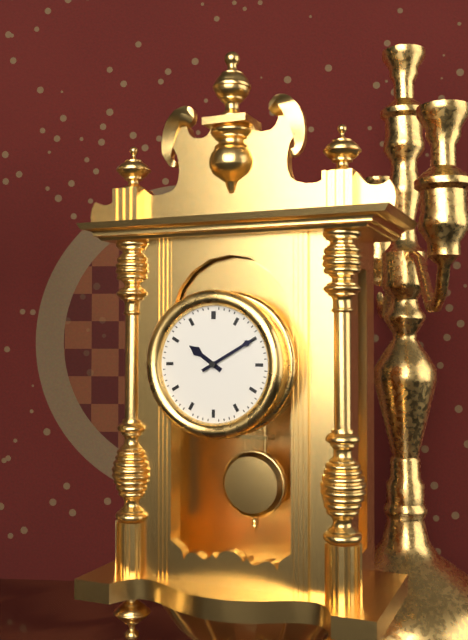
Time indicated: {"hour": 10, "minute": 10}
